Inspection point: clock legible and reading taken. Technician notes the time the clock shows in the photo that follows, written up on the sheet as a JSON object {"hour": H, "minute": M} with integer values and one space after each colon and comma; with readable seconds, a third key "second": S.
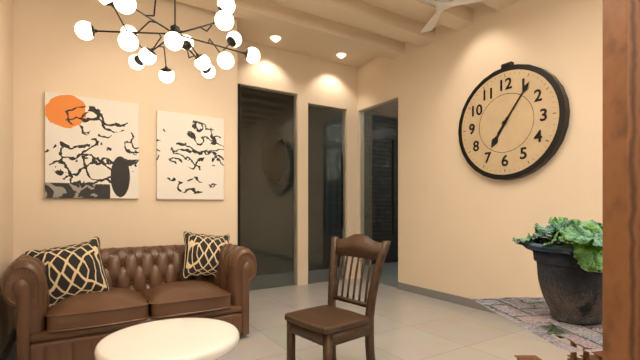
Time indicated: {"hour": 7, "minute": 6}
